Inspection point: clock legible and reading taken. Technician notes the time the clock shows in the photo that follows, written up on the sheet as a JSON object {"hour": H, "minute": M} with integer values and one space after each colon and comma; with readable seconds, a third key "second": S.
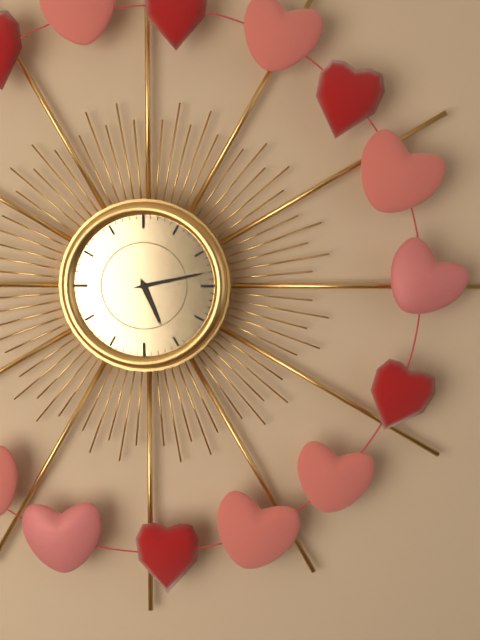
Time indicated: {"hour": 5, "minute": 13}
